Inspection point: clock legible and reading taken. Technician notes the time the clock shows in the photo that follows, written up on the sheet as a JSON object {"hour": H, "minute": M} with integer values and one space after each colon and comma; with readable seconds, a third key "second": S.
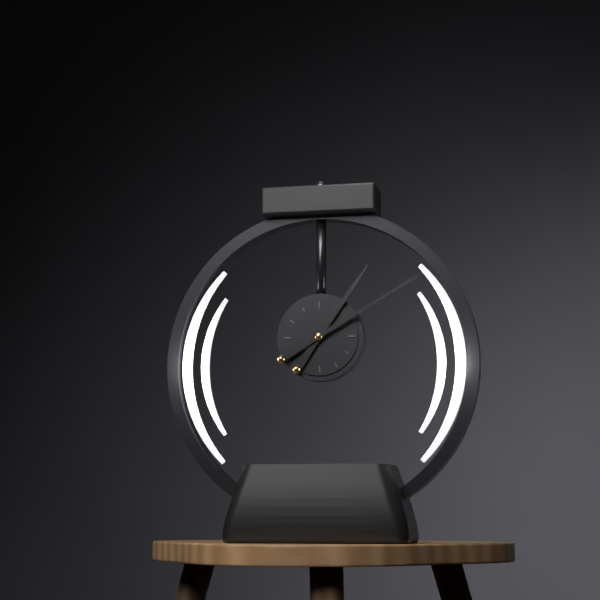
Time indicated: {"hour": 1, "minute": 10}
